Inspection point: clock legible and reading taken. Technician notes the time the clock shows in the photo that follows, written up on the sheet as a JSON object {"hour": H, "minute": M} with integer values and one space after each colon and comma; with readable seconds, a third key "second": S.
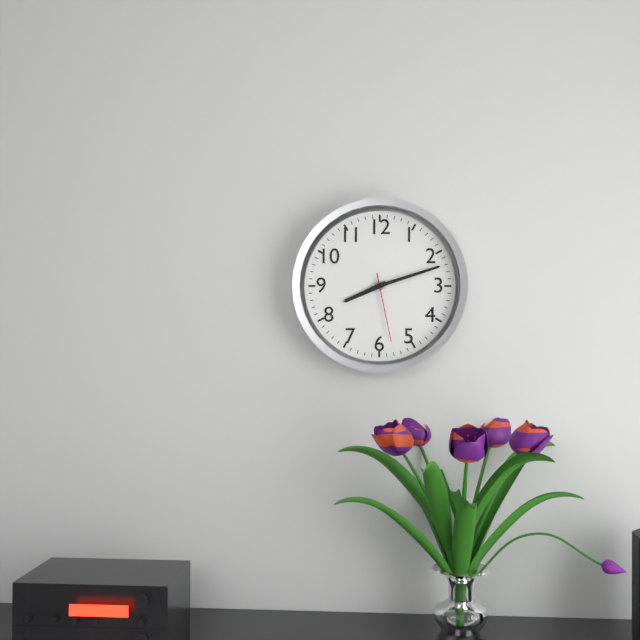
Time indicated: {"hour": 8, "minute": 12, "second": 28}
